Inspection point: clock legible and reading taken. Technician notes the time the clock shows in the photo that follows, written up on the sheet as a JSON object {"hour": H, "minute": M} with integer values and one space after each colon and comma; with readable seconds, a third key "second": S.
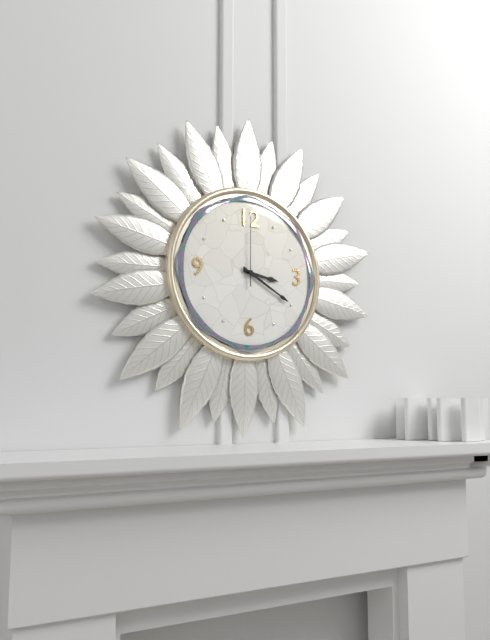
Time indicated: {"hour": 3, "minute": 20, "second": 0}
